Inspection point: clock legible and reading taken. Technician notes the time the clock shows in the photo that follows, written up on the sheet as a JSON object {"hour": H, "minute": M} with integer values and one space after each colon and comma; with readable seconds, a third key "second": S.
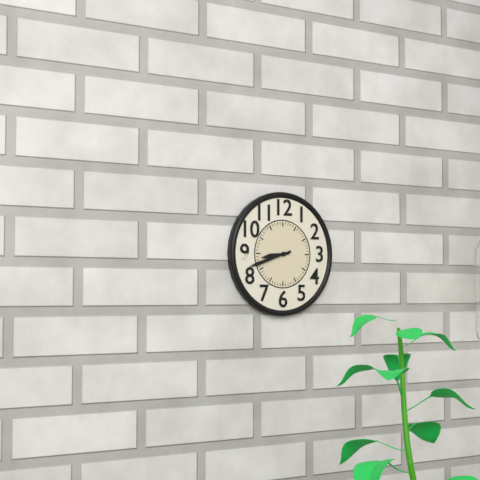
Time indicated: {"hour": 8, "minute": 42}
